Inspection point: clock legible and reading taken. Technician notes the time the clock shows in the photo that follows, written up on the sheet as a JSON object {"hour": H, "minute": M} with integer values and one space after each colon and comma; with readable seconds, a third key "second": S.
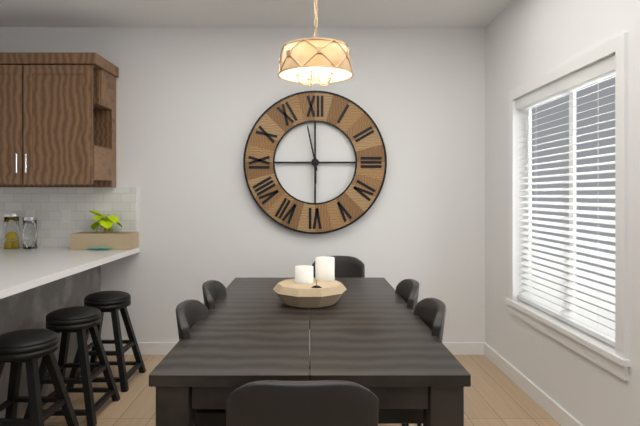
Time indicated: {"hour": 5, "minute": 58}
